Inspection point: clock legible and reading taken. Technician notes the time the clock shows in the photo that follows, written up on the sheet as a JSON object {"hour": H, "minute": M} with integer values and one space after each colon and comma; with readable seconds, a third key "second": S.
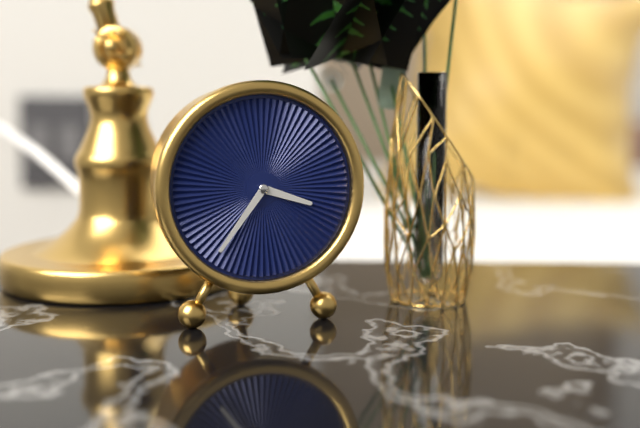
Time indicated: {"hour": 3, "minute": 36}
